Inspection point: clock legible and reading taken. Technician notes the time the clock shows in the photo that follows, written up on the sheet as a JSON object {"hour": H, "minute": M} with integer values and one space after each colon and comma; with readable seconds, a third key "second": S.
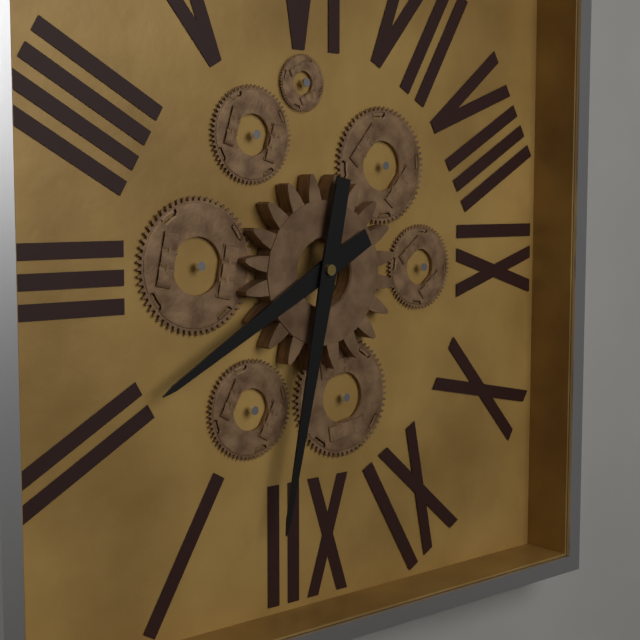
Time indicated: {"hour": 2, "minute": 2}
